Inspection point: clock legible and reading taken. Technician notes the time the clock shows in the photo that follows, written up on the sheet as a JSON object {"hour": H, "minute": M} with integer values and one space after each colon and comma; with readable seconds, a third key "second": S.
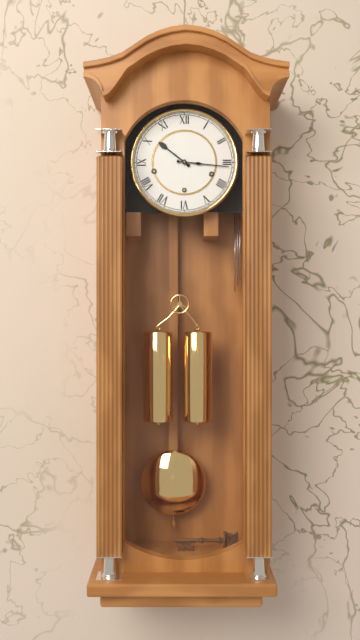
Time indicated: {"hour": 10, "minute": 16}
